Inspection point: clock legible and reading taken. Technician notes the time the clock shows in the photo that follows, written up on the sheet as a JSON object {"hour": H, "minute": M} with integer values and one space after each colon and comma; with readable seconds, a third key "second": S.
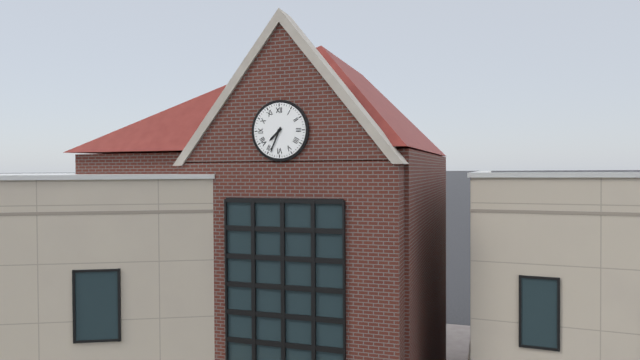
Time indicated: {"hour": 7, "minute": 34}
